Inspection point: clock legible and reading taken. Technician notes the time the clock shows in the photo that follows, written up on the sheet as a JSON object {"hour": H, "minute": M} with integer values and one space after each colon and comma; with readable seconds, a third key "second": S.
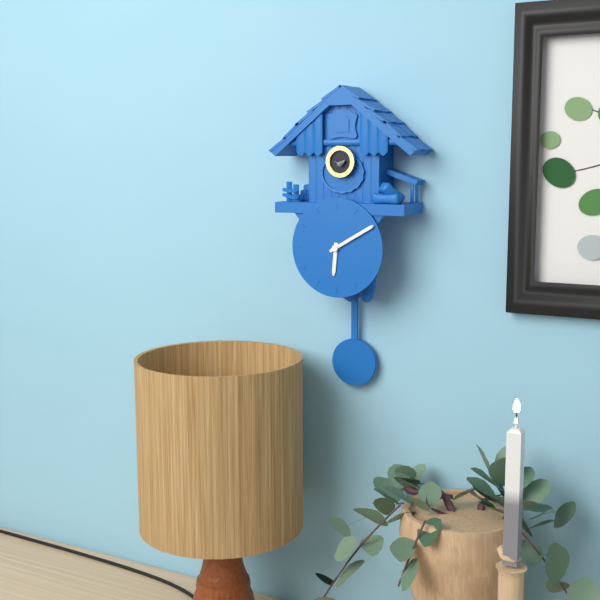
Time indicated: {"hour": 6, "minute": 10}
